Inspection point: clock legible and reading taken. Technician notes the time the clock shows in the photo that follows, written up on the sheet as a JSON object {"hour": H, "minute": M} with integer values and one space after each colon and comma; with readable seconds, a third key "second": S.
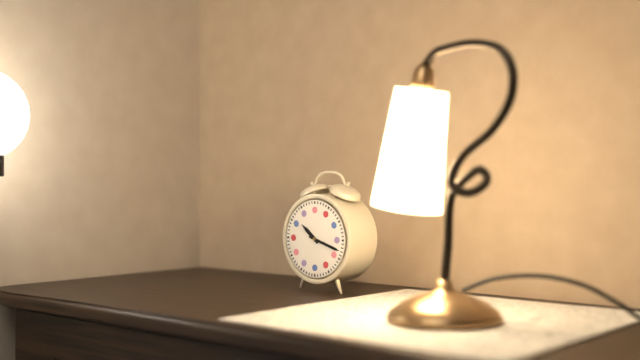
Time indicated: {"hour": 10, "minute": 18}
